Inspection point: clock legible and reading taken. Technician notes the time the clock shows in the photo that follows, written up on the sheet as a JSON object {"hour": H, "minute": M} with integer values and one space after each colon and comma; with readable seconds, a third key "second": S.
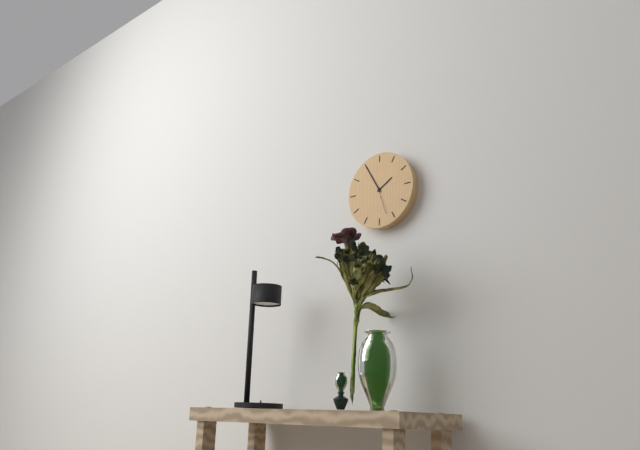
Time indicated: {"hour": 1, "minute": 55}
